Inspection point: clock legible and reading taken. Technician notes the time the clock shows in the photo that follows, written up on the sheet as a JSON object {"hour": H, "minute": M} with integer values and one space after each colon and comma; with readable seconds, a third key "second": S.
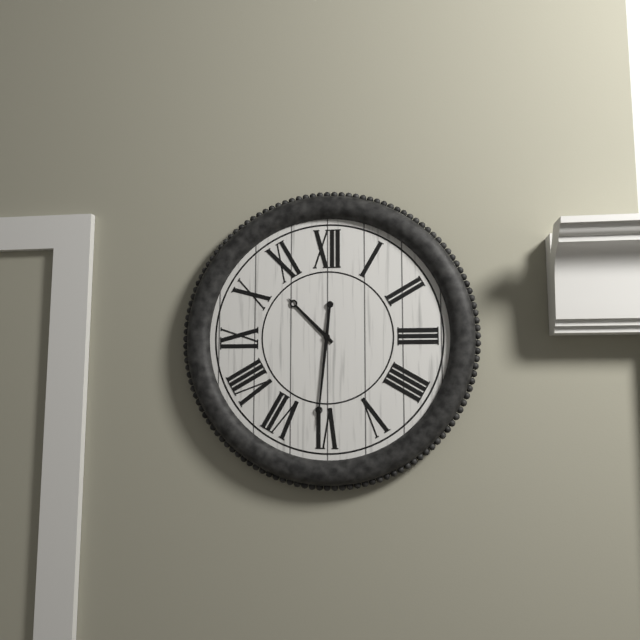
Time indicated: {"hour": 10, "minute": 31}
